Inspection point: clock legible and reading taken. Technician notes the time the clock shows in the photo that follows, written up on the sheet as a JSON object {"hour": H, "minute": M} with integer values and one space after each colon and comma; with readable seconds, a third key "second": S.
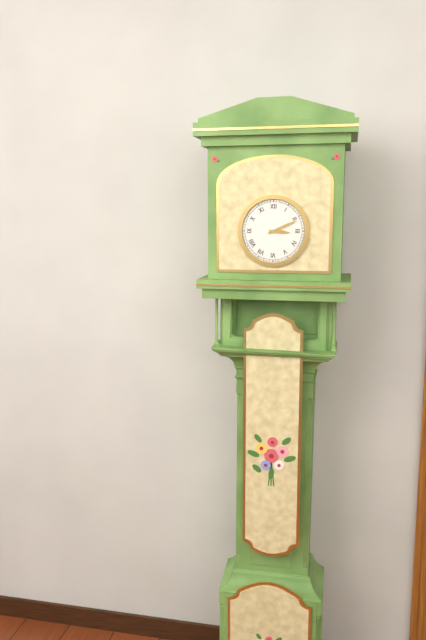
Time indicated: {"hour": 3, "minute": 11}
